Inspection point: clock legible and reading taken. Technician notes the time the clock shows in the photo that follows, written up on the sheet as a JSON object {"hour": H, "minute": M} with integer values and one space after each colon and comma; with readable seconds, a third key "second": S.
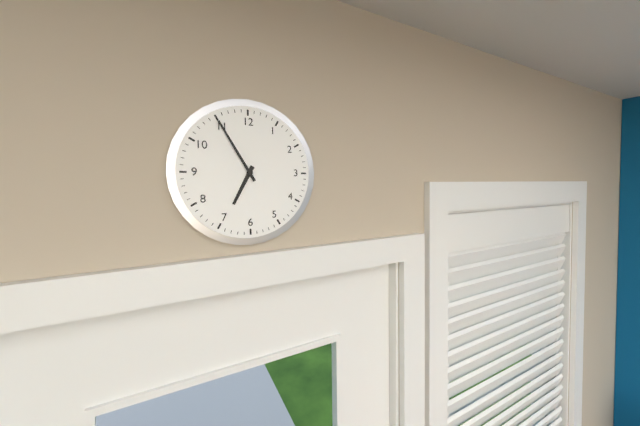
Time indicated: {"hour": 6, "minute": 55}
